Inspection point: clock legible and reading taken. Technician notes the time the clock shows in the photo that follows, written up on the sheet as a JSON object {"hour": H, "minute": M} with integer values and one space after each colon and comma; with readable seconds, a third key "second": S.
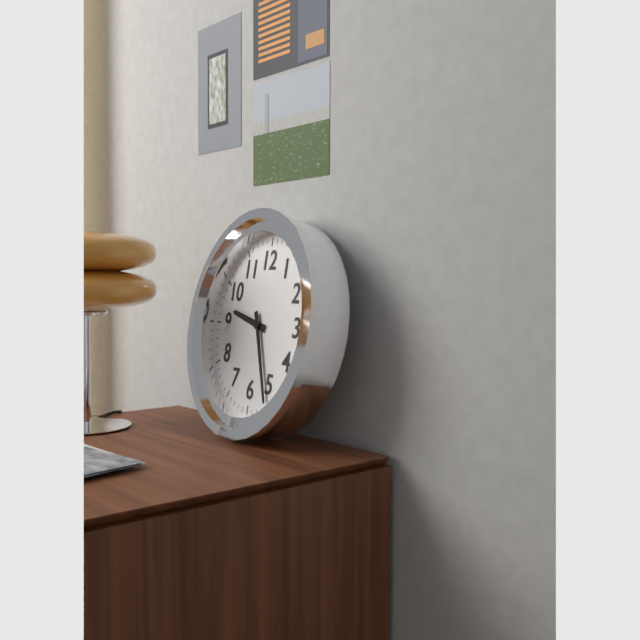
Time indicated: {"hour": 9, "minute": 26}
